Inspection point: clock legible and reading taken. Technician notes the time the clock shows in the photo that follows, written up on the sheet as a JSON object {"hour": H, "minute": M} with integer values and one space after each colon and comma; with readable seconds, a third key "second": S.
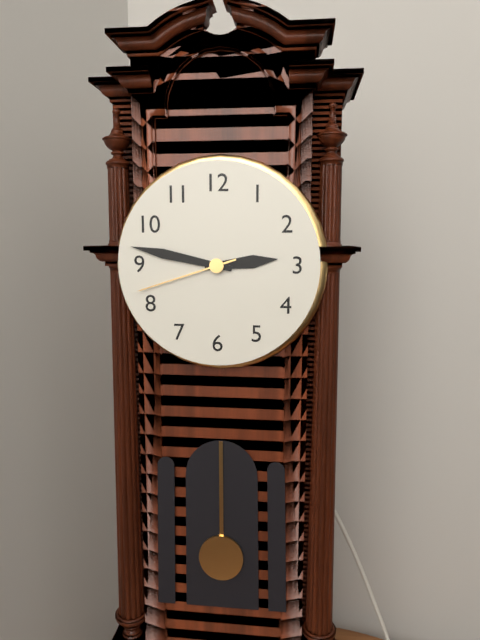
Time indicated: {"hour": 2, "minute": 47, "second": 42}
